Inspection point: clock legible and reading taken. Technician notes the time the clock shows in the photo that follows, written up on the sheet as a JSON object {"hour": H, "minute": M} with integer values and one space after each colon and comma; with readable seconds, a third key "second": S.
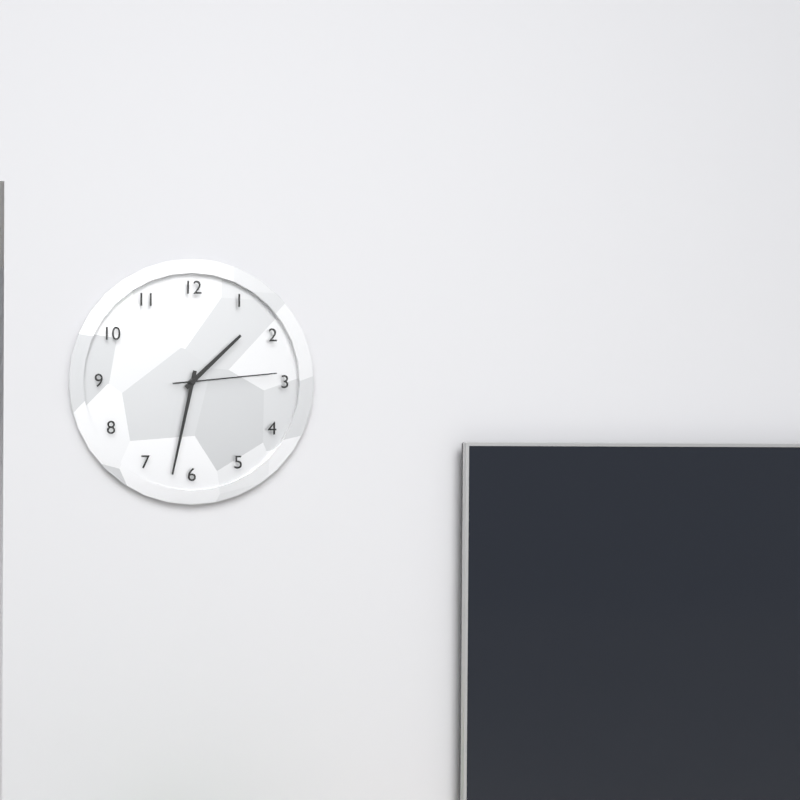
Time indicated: {"hour": 1, "minute": 32, "second": 14}
